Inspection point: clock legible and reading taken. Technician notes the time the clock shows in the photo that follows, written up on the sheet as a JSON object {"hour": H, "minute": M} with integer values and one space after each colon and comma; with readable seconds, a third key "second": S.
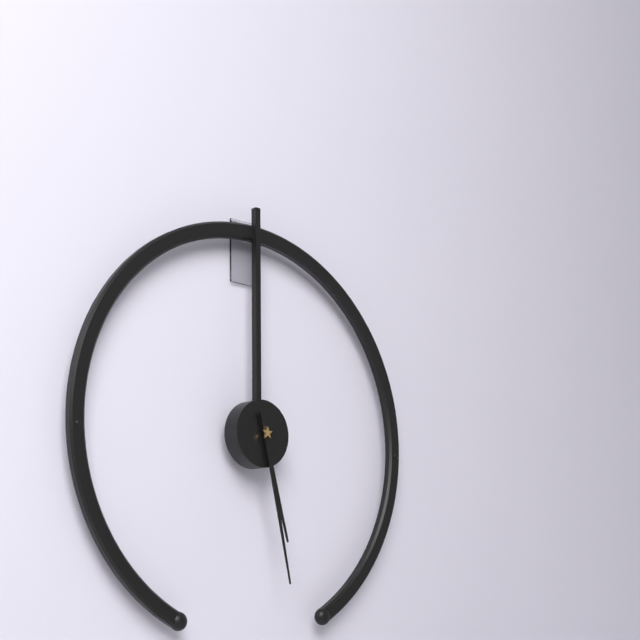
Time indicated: {"hour": 5, "minute": 28}
